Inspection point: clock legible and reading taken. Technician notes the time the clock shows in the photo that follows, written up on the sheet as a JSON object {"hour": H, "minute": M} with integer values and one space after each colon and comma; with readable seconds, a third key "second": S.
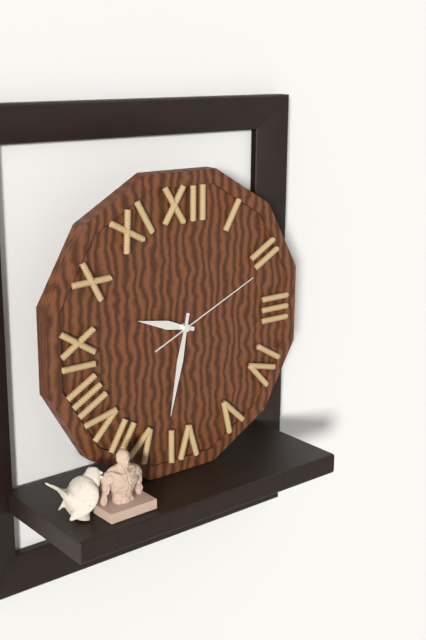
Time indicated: {"hour": 9, "minute": 32, "second": 11}
